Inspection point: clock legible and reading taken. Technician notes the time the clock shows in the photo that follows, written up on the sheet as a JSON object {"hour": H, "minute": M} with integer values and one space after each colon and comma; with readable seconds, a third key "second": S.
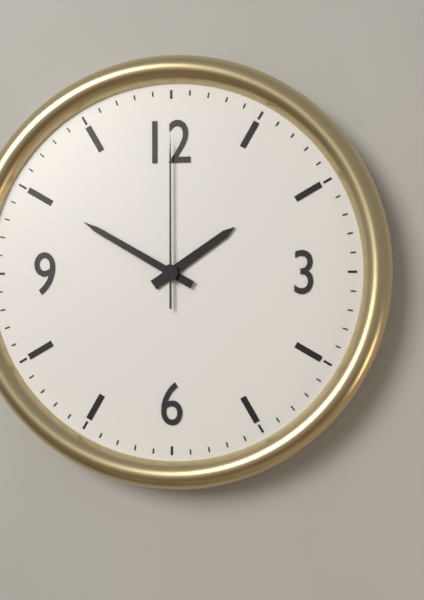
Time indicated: {"hour": 1, "minute": 50, "second": 0}
